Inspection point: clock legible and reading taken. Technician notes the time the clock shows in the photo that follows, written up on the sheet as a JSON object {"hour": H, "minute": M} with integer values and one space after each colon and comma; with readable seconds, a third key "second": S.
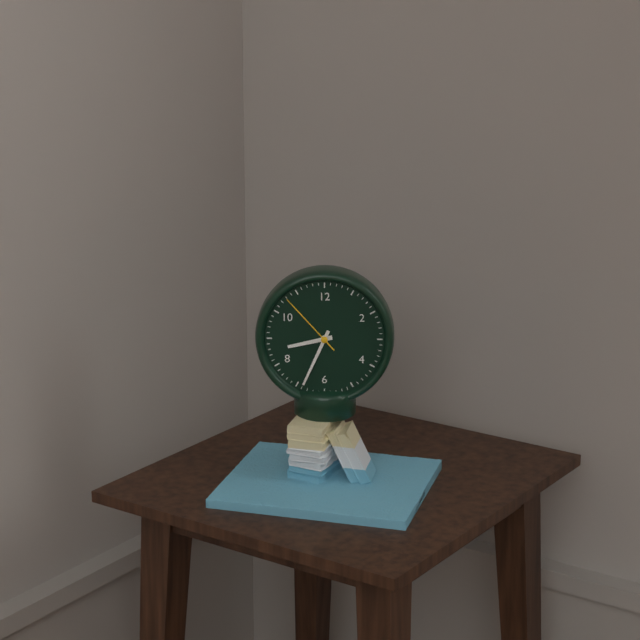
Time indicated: {"hour": 8, "minute": 34, "second": 53}
